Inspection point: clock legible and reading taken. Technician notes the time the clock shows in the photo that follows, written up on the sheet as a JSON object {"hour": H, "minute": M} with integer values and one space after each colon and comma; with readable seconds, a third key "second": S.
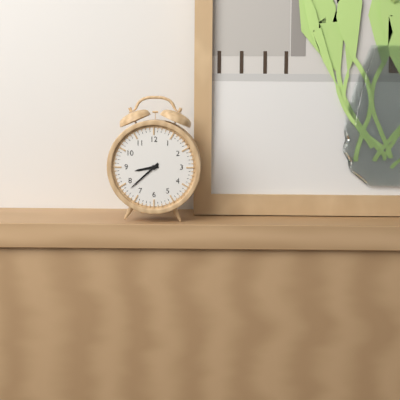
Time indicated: {"hour": 8, "minute": 38}
